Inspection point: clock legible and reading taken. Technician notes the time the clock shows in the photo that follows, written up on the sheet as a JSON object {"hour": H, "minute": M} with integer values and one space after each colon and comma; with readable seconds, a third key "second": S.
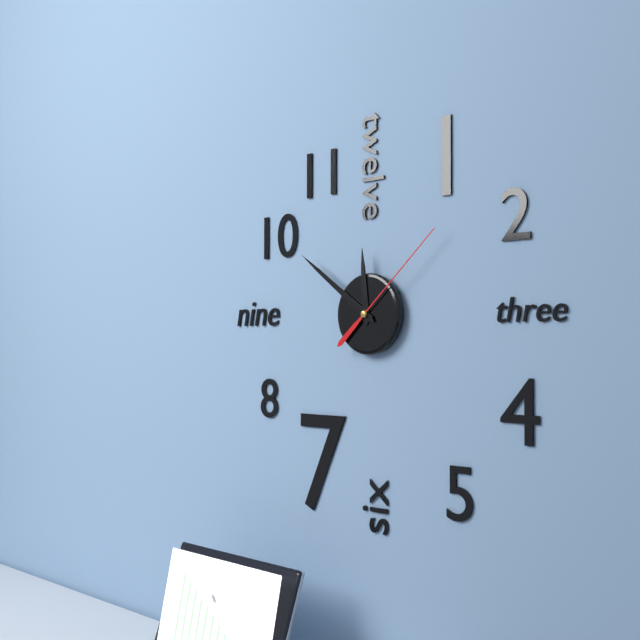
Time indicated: {"hour": 11, "minute": 51, "second": 8}
